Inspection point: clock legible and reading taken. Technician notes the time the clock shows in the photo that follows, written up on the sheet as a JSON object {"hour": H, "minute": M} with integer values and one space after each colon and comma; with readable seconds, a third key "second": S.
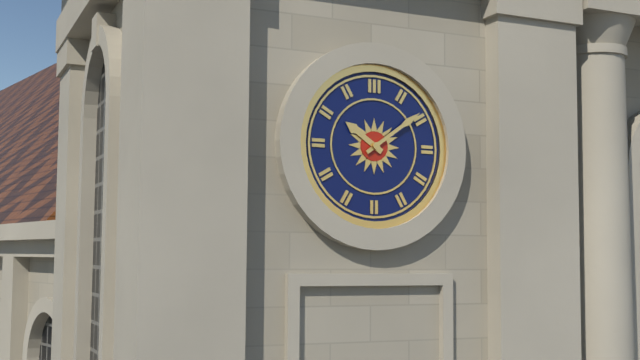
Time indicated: {"hour": 10, "minute": 9}
